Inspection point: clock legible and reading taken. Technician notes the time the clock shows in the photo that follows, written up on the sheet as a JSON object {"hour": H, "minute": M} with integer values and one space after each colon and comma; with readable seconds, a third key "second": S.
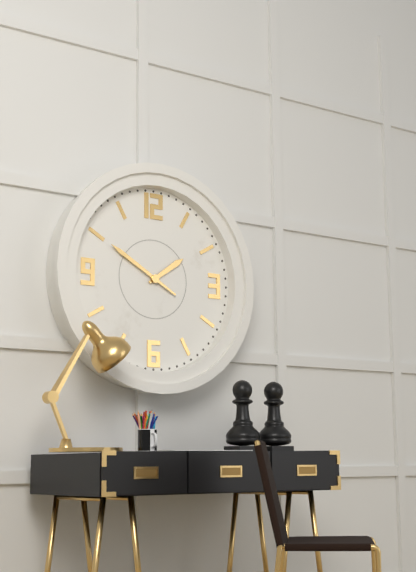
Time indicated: {"hour": 1, "minute": 50}
